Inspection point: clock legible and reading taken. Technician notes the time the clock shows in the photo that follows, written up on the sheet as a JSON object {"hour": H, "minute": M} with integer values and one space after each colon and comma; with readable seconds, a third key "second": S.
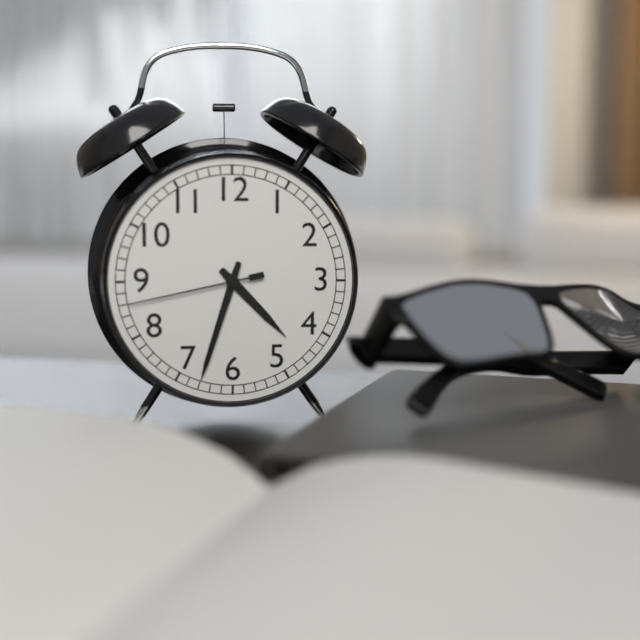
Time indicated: {"hour": 4, "minute": 33, "second": 43}
